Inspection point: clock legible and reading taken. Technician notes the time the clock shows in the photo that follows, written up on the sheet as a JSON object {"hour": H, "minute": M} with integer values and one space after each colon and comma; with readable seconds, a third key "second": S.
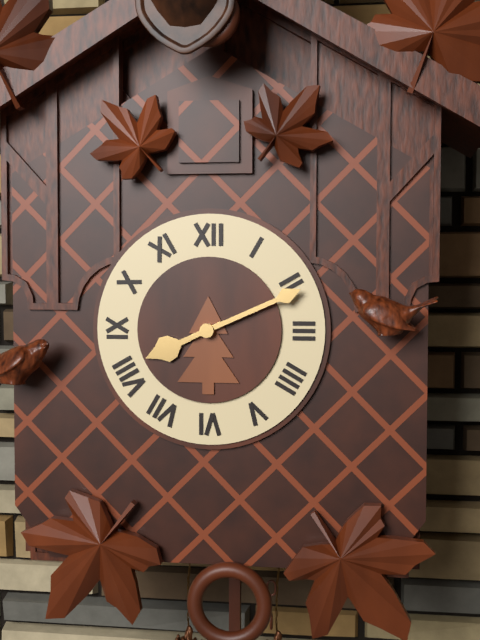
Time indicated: {"hour": 8, "minute": 11}
